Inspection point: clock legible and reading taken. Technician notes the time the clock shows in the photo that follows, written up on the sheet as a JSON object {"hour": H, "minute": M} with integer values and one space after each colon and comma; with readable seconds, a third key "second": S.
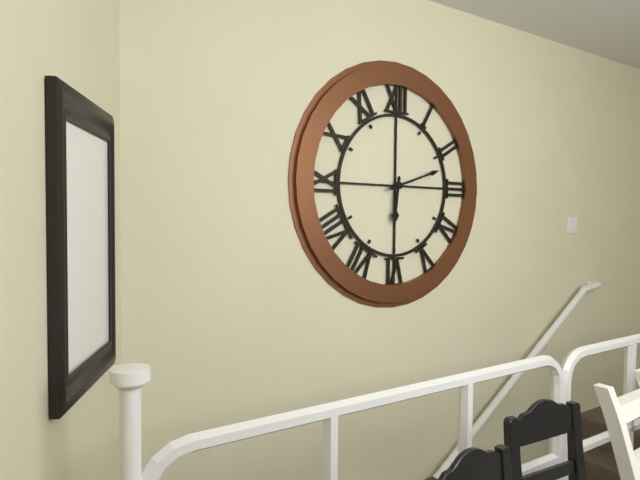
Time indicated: {"hour": 6, "minute": 12}
